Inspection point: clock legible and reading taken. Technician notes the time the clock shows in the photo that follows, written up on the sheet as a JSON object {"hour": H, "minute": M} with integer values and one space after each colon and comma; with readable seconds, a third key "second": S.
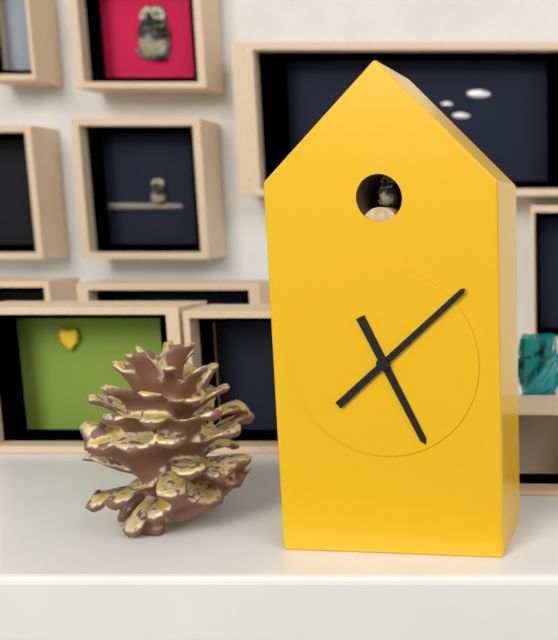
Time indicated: {"hour": 5, "minute": 8}
